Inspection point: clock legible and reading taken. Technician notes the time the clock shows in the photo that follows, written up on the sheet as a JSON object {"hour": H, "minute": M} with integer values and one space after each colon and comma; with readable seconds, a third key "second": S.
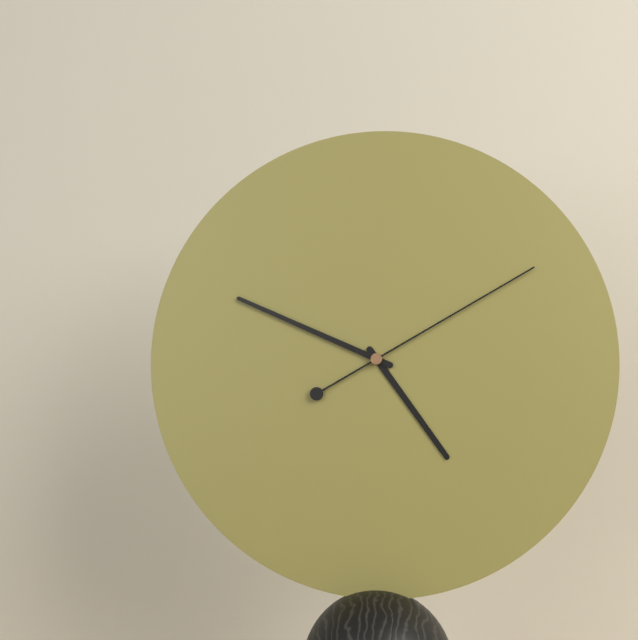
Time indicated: {"hour": 4, "minute": 49, "second": 10}
